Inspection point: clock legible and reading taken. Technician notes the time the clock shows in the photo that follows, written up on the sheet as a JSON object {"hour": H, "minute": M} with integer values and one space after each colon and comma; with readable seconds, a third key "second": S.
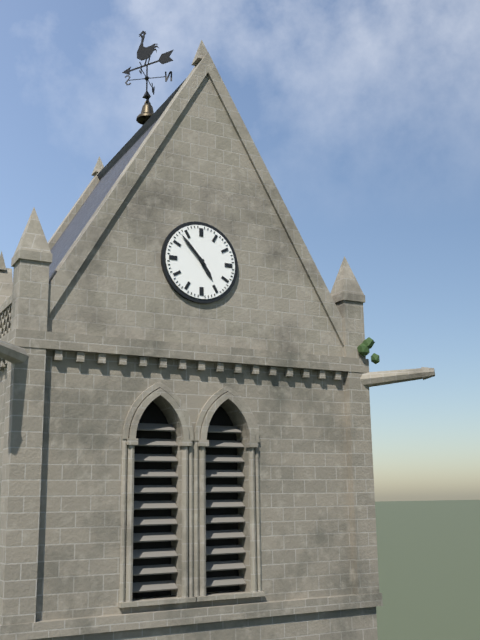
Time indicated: {"hour": 4, "minute": 53}
